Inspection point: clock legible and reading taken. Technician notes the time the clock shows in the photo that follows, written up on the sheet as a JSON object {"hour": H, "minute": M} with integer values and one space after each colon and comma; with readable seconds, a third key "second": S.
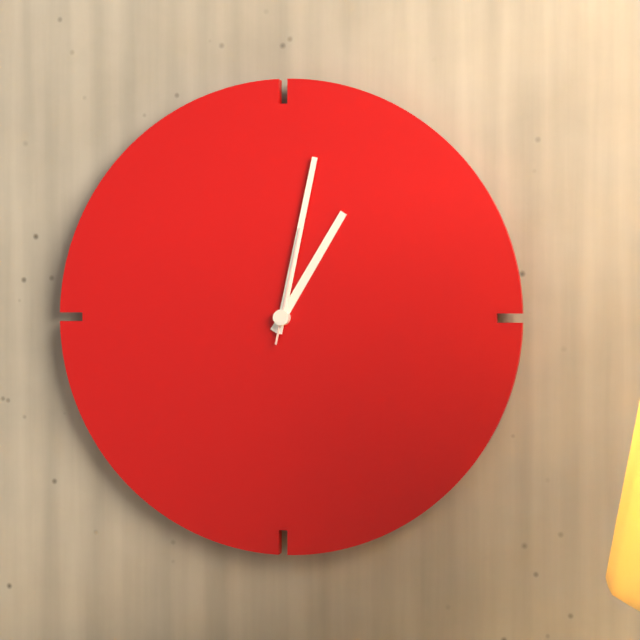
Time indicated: {"hour": 1, "minute": 2, "second": 2}
